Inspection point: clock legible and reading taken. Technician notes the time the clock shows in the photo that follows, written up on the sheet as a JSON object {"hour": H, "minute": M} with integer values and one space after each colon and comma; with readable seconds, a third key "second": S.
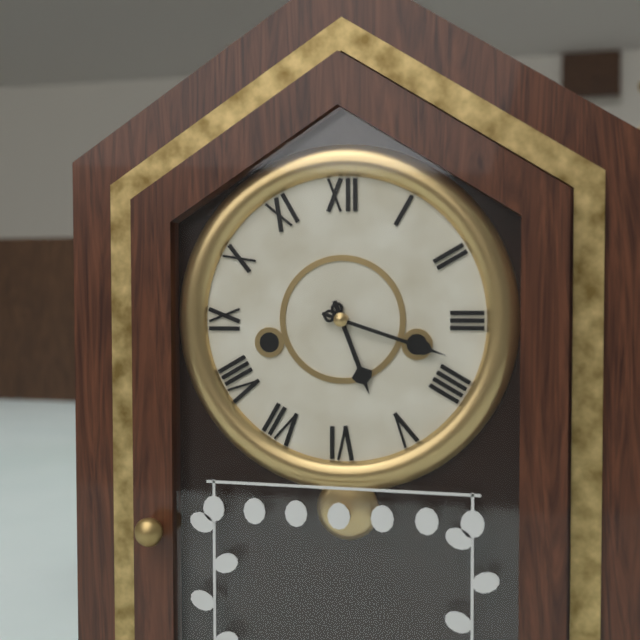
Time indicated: {"hour": 5, "minute": 18}
